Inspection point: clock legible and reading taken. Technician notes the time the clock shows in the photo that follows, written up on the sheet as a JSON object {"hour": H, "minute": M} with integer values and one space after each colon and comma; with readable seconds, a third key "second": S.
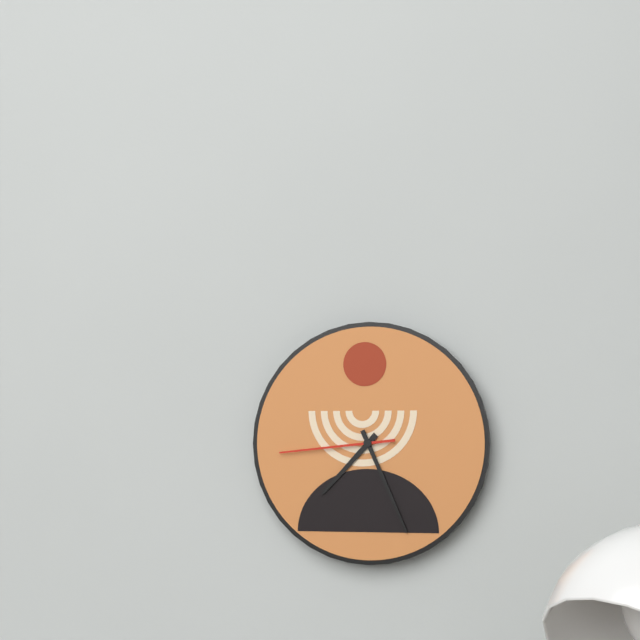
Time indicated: {"hour": 7, "minute": 26, "second": 44}
